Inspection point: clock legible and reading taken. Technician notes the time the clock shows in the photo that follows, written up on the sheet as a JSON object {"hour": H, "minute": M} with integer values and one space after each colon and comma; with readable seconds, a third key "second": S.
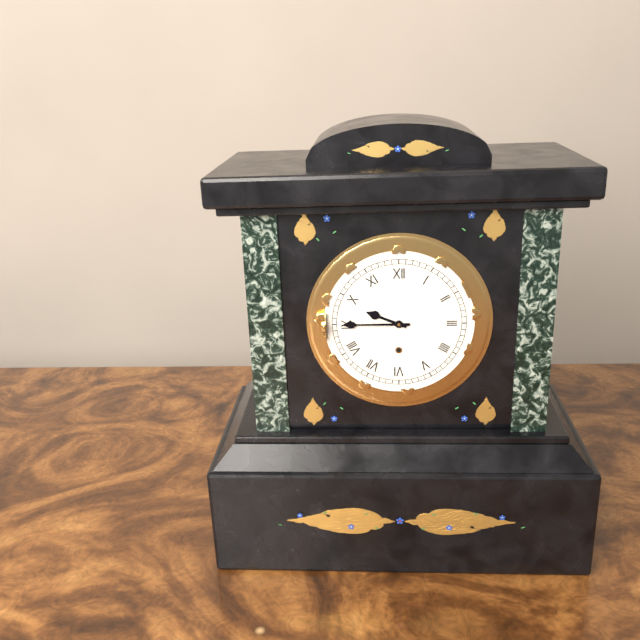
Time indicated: {"hour": 9, "minute": 45}
